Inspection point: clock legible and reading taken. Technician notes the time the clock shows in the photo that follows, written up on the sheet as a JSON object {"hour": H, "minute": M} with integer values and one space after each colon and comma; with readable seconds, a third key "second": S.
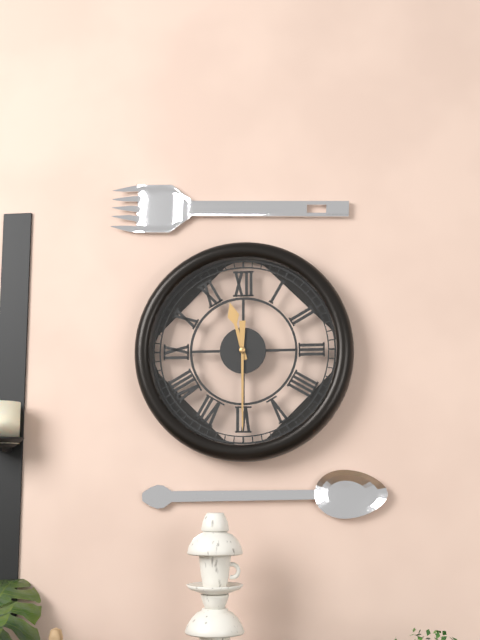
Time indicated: {"hour": 11, "minute": 30}
